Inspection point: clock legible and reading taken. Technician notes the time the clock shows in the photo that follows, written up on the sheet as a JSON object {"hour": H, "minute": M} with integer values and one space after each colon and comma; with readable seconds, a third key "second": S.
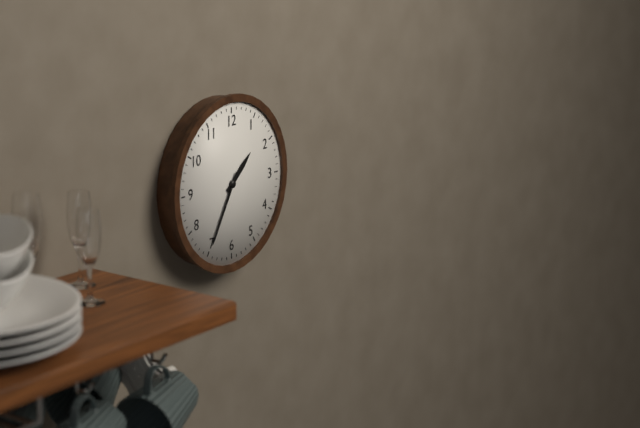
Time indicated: {"hour": 1, "minute": 35}
